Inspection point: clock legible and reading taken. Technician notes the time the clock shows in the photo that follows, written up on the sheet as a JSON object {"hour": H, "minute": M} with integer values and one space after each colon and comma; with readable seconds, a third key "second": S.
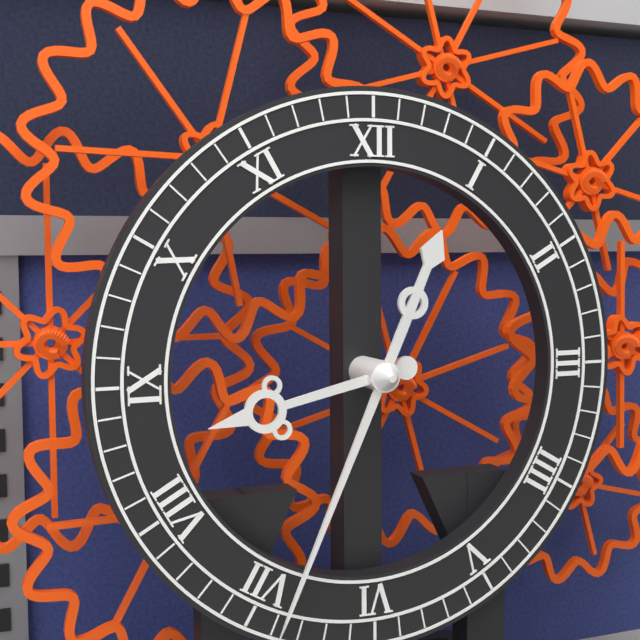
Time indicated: {"hour": 8, "minute": 34}
